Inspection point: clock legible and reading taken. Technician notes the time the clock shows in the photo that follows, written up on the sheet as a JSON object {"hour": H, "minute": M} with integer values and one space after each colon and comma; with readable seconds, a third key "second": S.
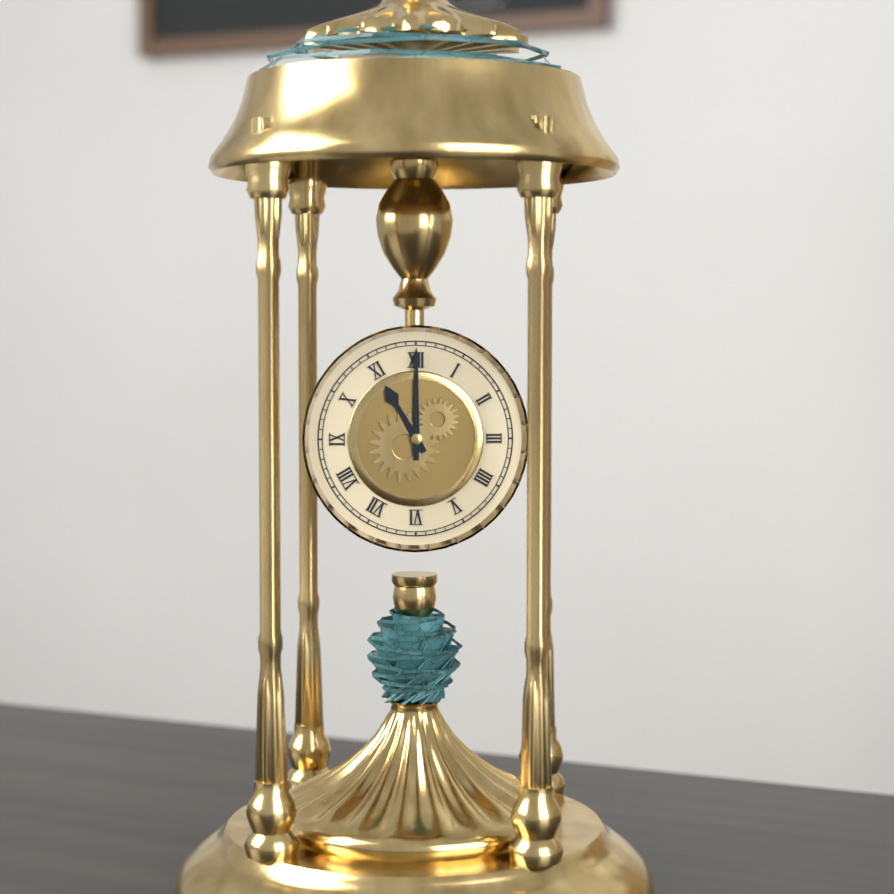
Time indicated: {"hour": 11, "minute": 0}
